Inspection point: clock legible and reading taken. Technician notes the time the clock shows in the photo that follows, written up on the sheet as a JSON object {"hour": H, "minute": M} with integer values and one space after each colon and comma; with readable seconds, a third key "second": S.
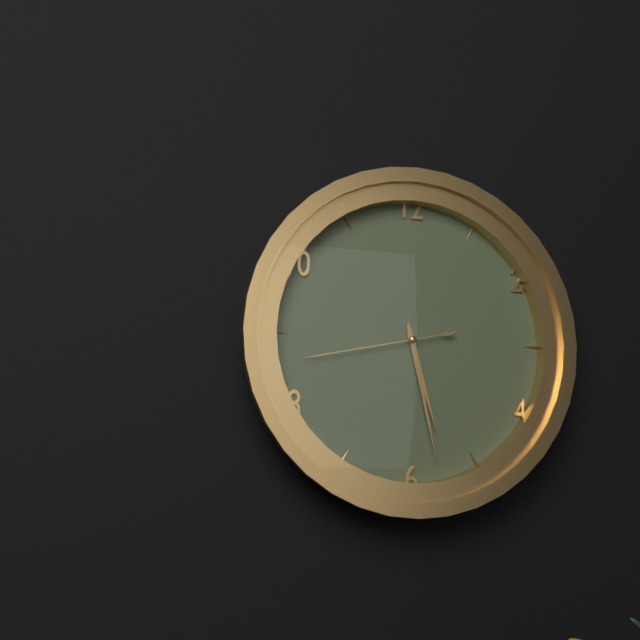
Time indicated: {"hour": 5, "minute": 28, "second": 43}
